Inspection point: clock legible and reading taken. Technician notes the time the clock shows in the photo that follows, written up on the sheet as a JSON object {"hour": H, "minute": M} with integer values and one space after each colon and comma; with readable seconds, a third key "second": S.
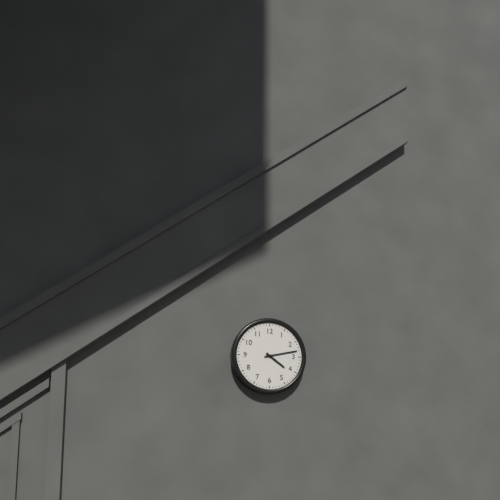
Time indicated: {"hour": 4, "minute": 13}
